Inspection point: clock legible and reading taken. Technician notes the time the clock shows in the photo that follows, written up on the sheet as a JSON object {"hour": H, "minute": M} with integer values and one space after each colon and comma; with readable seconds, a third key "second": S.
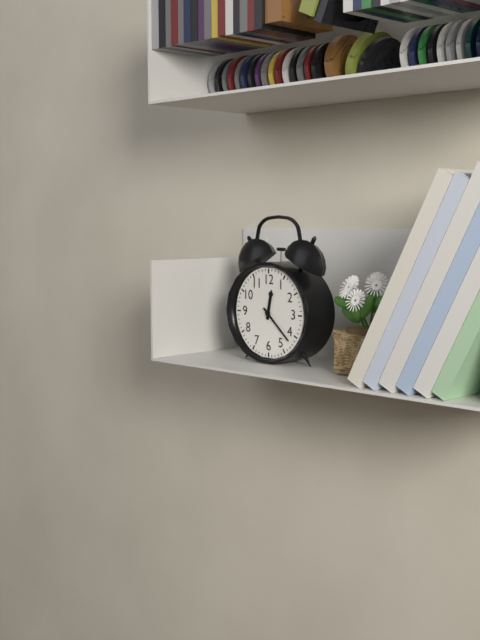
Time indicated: {"hour": 12, "minute": 22}
